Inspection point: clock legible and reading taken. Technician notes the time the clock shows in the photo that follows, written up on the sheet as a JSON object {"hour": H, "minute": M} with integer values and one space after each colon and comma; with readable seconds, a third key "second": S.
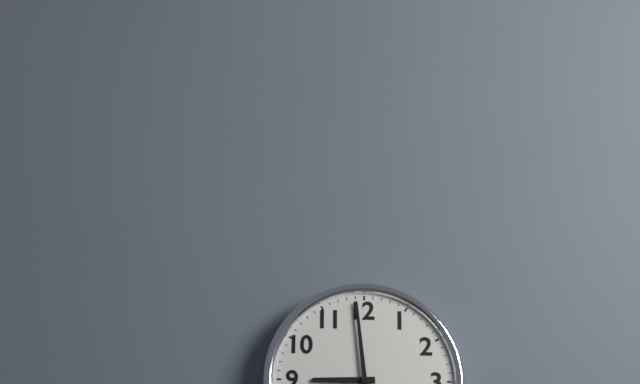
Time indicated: {"hour": 8, "minute": 59}
